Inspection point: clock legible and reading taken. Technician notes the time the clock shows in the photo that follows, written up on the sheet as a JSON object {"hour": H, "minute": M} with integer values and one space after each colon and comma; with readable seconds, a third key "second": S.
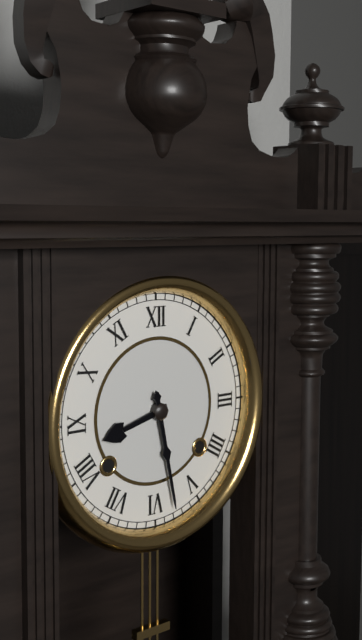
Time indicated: {"hour": 8, "minute": 28}
